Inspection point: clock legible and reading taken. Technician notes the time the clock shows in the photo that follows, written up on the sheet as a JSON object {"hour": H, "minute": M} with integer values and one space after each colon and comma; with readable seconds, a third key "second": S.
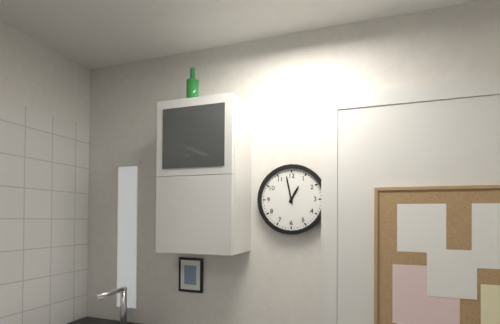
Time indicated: {"hour": 12, "minute": 58}
